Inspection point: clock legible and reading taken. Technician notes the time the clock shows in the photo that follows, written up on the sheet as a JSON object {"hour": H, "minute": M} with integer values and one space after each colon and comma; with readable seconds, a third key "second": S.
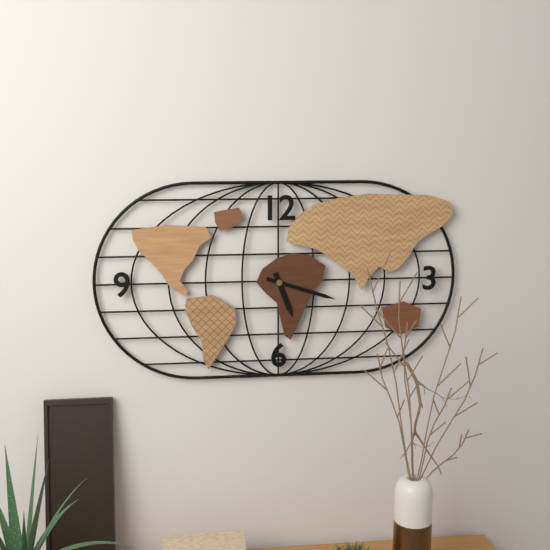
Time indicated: {"hour": 5, "minute": 18}
